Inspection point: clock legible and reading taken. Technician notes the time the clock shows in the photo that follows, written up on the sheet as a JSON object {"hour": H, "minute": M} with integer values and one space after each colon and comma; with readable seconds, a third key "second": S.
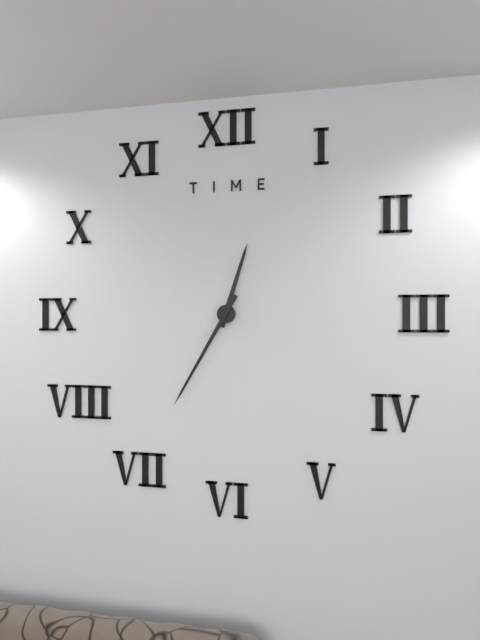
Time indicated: {"hour": 12, "minute": 35}
